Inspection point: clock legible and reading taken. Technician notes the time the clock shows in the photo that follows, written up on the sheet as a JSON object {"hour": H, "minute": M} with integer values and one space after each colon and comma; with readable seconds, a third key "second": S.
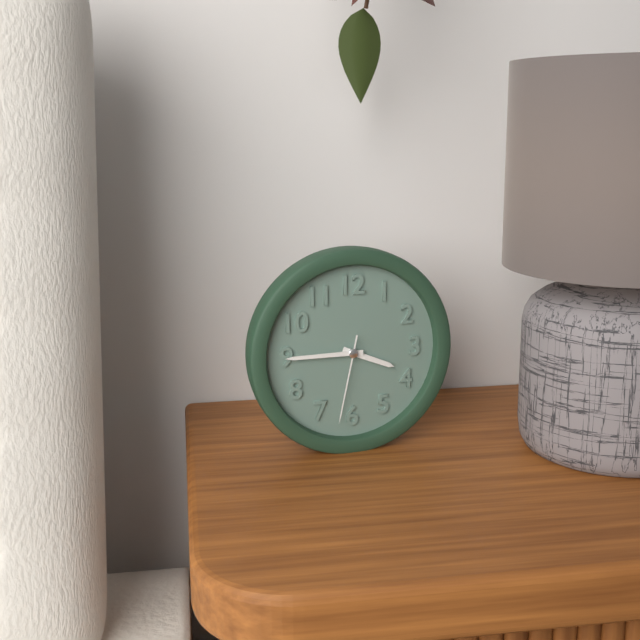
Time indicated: {"hour": 3, "minute": 45, "second": 32}
